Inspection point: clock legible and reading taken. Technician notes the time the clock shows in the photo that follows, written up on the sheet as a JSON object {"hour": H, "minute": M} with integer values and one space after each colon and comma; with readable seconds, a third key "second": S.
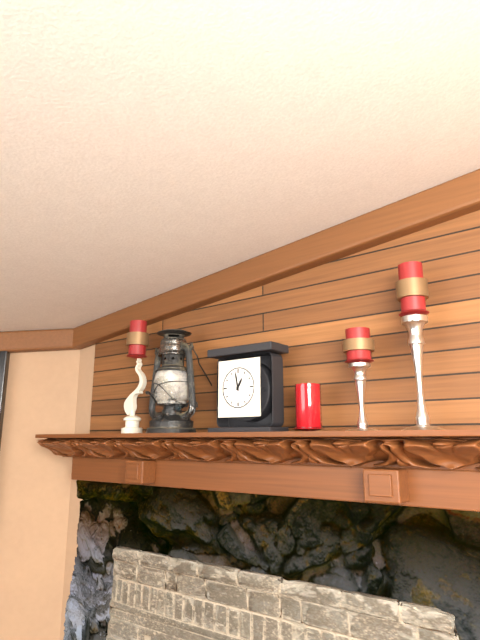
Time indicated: {"hour": 12, "minute": 58}
